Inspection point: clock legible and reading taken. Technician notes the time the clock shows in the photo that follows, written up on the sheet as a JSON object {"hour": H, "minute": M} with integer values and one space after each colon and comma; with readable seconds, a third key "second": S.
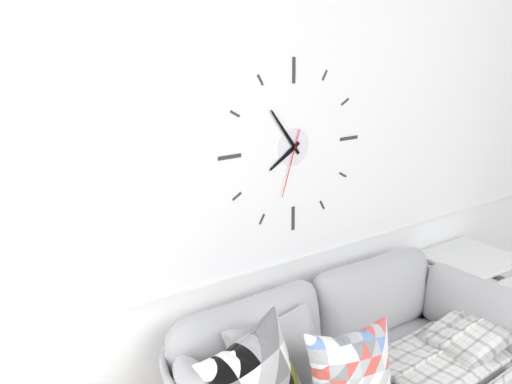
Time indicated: {"hour": 7, "minute": 54, "second": 33}
